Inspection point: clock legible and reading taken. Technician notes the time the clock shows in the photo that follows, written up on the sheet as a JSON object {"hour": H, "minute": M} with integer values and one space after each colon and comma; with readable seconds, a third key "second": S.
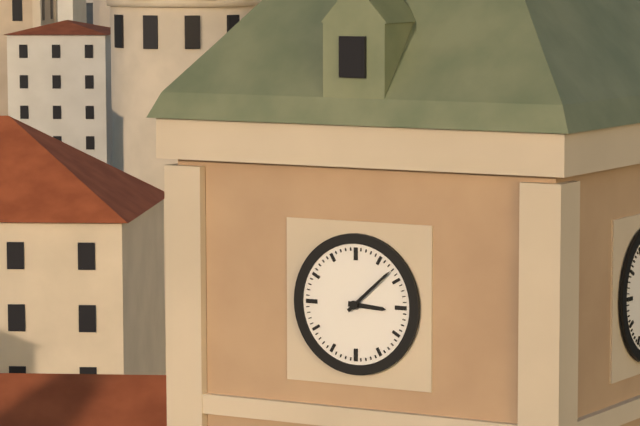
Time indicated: {"hour": 3, "minute": 8}
